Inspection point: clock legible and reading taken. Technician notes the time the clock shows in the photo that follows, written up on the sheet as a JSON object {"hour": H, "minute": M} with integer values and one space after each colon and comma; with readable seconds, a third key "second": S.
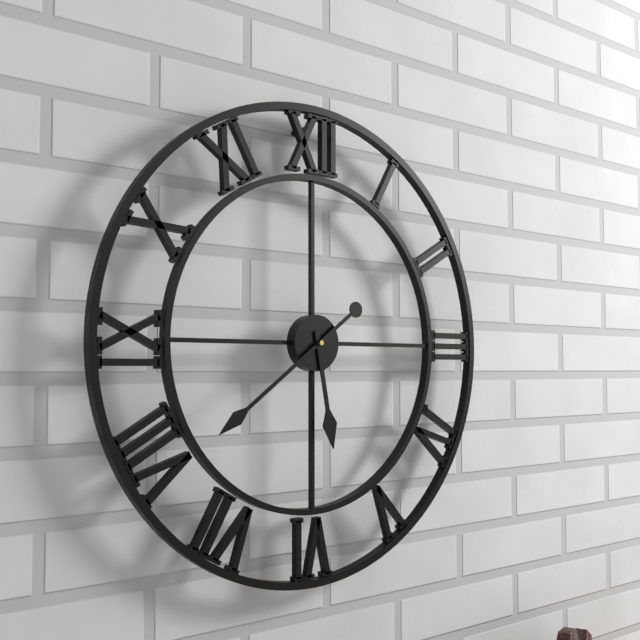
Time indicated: {"hour": 5, "minute": 39}
